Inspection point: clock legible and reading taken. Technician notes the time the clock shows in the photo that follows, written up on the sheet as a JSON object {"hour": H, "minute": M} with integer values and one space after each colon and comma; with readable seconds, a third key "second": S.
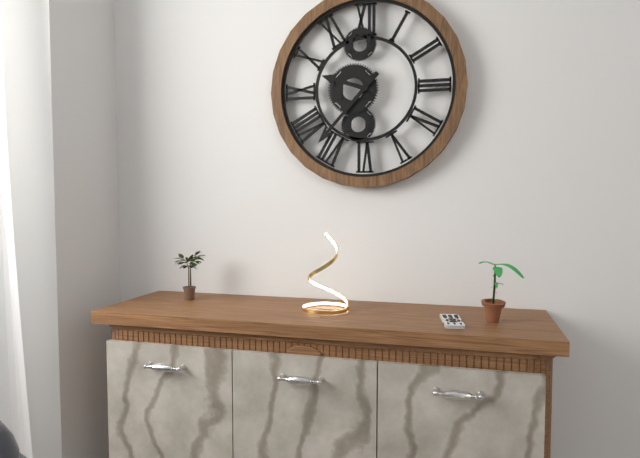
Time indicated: {"hour": 9, "minute": 37}
